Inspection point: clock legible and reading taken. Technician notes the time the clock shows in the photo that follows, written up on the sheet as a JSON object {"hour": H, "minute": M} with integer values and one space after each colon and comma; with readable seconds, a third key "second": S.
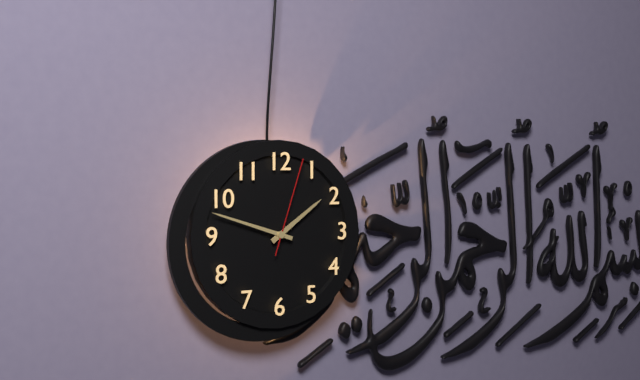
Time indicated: {"hour": 1, "minute": 48, "second": 3}
